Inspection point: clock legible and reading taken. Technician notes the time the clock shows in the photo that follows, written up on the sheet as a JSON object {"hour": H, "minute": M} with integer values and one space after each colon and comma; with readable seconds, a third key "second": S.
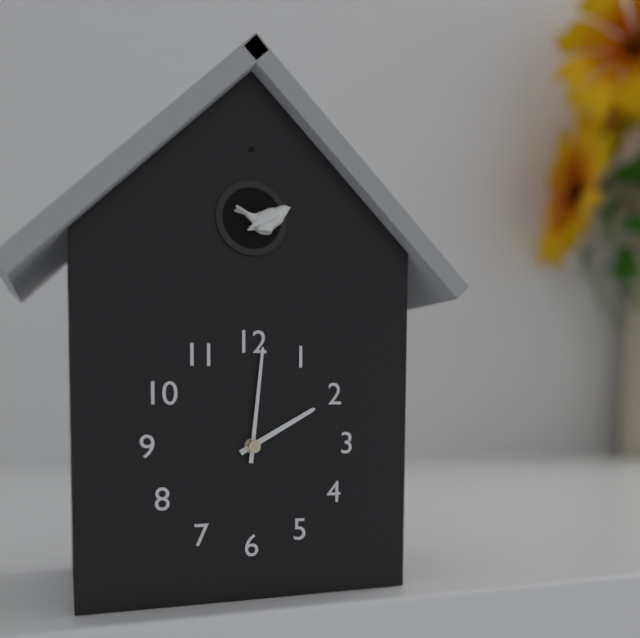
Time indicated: {"hour": 2, "minute": 1}
